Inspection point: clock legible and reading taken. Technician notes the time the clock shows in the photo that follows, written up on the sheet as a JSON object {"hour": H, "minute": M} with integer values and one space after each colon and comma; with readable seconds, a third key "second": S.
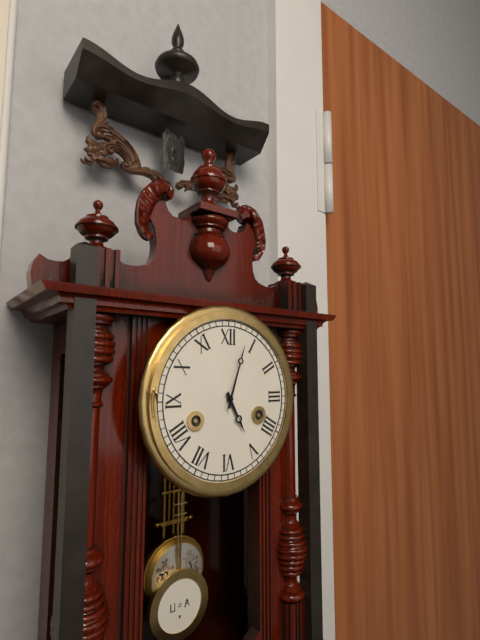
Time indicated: {"hour": 5, "minute": 3}
